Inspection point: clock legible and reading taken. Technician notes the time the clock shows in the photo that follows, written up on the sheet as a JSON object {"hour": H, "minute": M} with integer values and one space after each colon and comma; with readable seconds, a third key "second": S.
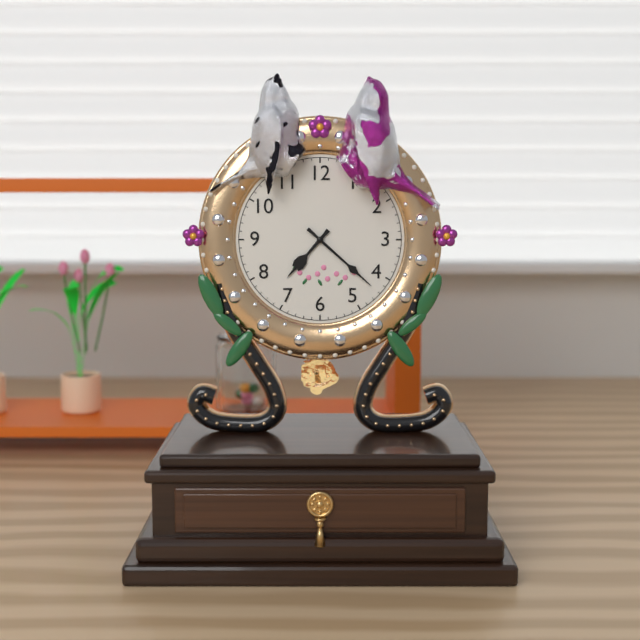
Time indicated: {"hour": 7, "minute": 22}
